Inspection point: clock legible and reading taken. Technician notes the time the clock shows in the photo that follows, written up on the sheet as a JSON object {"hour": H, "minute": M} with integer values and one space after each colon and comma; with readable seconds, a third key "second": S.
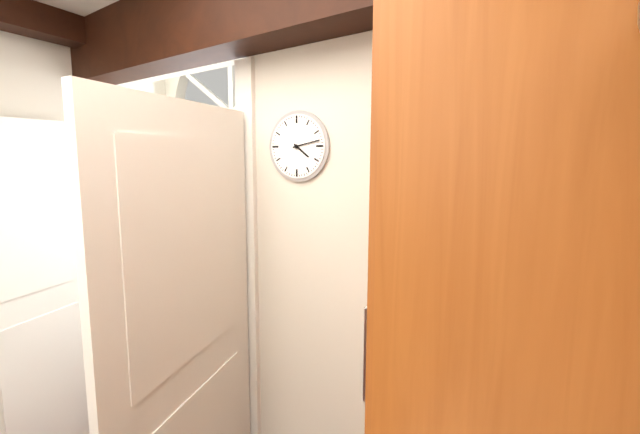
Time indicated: {"hour": 4, "minute": 13}
